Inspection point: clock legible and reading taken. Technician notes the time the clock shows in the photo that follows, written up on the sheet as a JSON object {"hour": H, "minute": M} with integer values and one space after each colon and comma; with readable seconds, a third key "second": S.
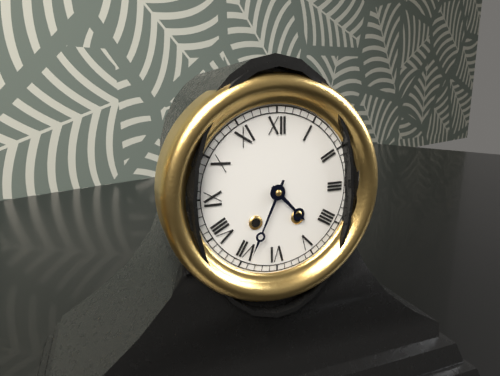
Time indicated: {"hour": 4, "minute": 34}
